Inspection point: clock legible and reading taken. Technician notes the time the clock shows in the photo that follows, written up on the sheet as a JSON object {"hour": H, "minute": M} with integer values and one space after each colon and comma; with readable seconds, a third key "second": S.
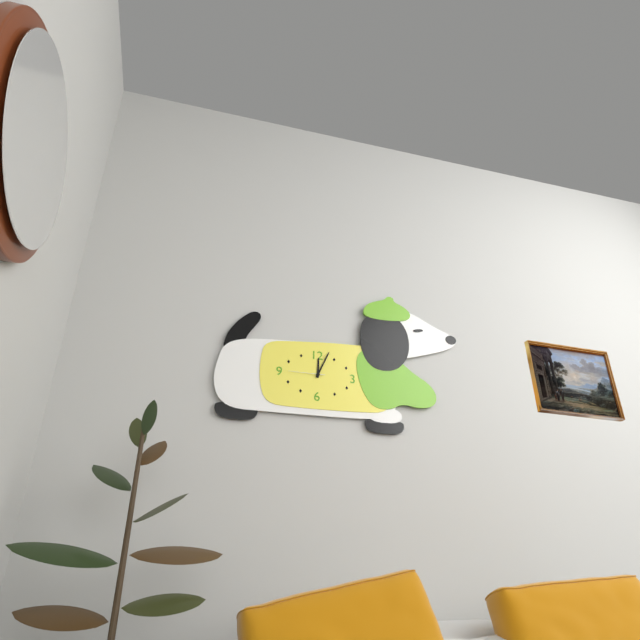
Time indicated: {"hour": 12, "minute": 4}
